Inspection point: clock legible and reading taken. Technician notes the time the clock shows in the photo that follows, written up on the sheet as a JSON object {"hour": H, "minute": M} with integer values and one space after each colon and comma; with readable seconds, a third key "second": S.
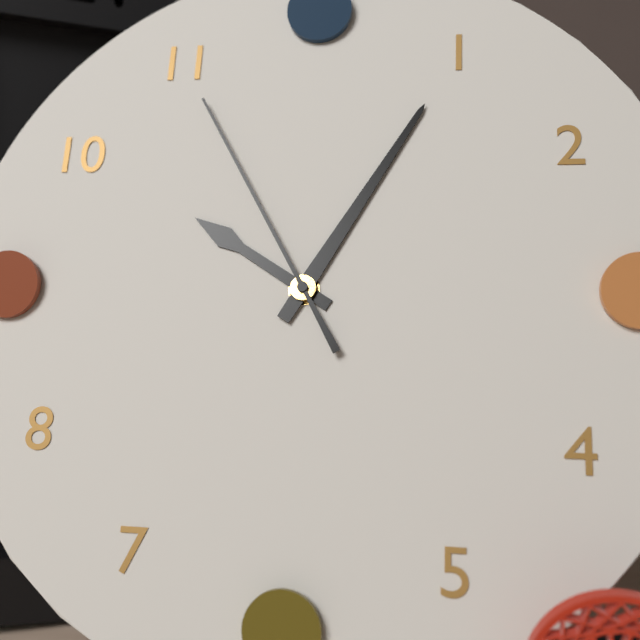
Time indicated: {"hour": 10, "minute": 5, "second": 55}
